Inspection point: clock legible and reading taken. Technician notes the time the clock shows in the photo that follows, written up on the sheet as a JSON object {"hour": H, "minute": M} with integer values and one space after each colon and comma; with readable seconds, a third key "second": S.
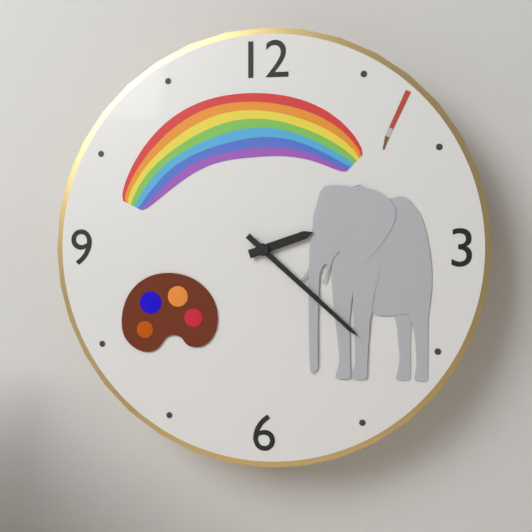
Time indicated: {"hour": 2, "minute": 22}
